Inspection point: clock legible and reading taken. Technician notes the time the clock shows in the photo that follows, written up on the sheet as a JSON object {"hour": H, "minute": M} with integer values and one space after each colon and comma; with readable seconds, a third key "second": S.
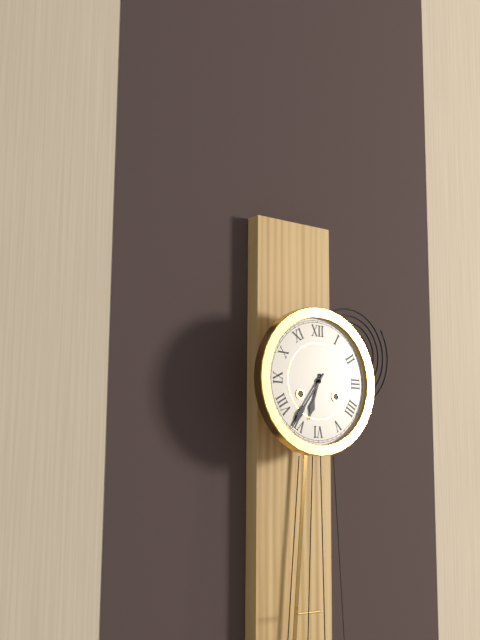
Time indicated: {"hour": 6, "minute": 36}
